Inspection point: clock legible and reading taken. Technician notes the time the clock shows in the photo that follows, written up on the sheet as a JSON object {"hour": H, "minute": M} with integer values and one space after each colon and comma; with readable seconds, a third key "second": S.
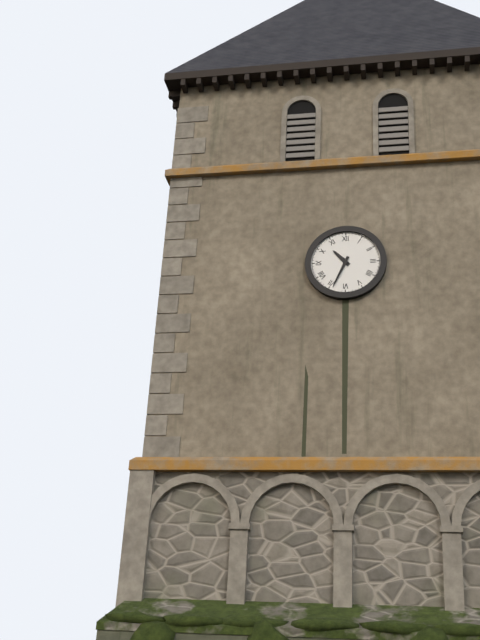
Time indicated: {"hour": 10, "minute": 34}
